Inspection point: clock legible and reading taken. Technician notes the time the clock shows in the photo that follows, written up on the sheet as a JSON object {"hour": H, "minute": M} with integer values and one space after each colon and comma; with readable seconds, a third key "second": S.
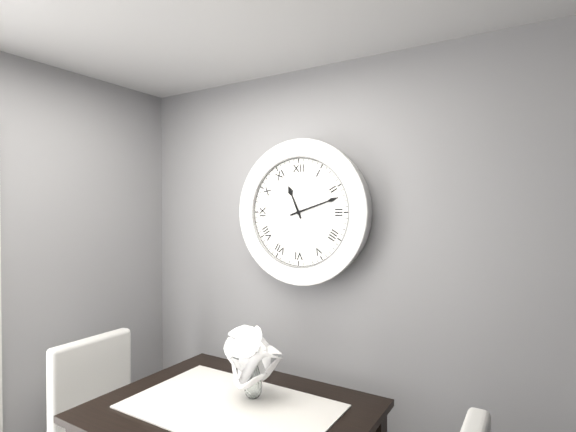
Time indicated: {"hour": 11, "minute": 12}
